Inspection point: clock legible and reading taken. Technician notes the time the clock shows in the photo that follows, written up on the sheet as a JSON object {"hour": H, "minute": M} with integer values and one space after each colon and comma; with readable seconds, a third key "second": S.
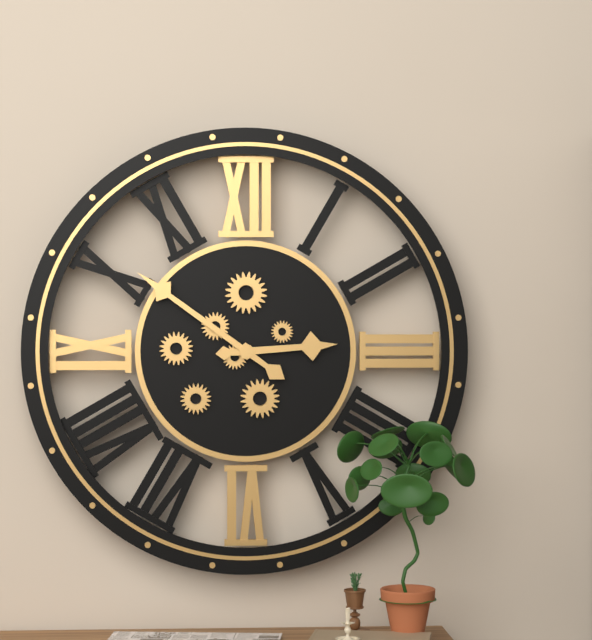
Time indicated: {"hour": 2, "minute": 51}
